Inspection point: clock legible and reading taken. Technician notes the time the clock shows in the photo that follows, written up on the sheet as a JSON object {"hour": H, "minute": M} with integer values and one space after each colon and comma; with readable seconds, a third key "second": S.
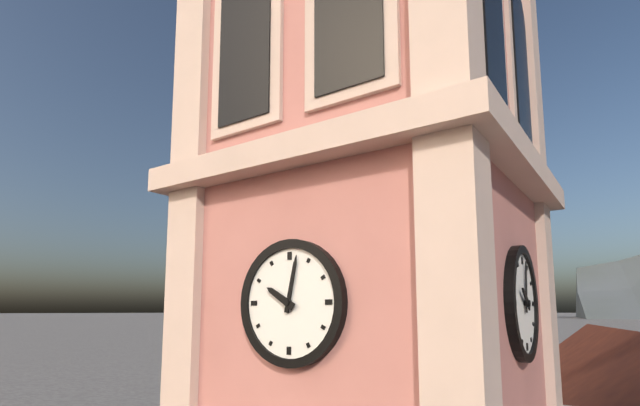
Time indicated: {"hour": 10, "minute": 2}
